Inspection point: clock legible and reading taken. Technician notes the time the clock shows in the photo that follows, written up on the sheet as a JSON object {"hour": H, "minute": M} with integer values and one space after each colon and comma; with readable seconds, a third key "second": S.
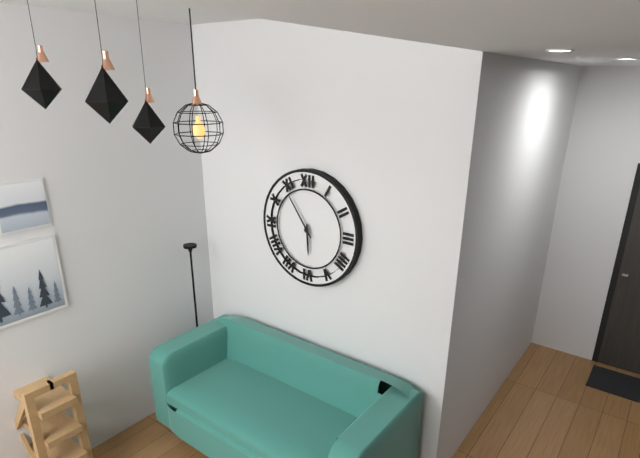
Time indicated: {"hour": 5, "minute": 54}
